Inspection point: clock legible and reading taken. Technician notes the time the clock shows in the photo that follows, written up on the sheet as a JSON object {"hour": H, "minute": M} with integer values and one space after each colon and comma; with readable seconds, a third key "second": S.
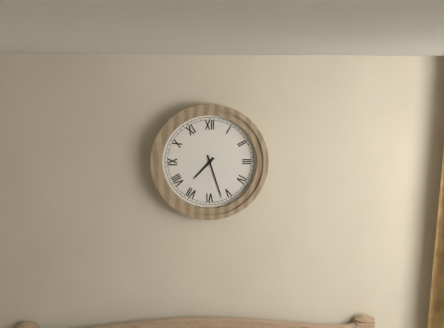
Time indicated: {"hour": 7, "minute": 27}
